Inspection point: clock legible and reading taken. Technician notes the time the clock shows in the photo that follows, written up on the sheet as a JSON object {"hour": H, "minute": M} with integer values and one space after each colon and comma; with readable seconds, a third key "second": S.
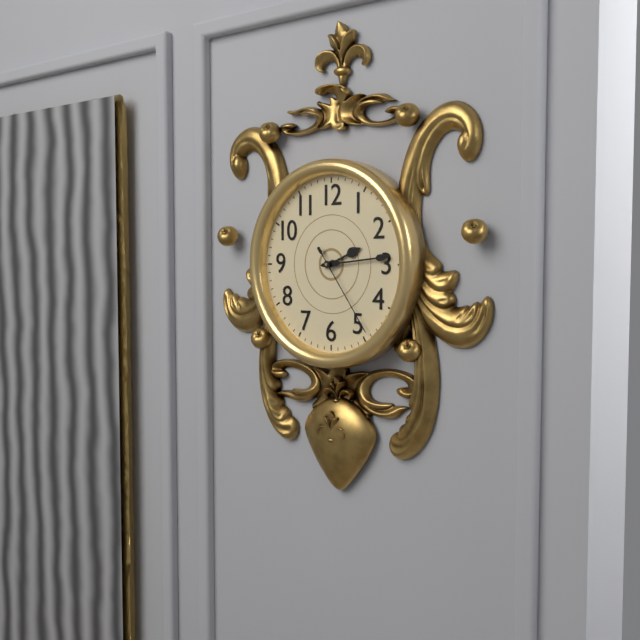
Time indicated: {"hour": 2, "minute": 14, "second": 24}
